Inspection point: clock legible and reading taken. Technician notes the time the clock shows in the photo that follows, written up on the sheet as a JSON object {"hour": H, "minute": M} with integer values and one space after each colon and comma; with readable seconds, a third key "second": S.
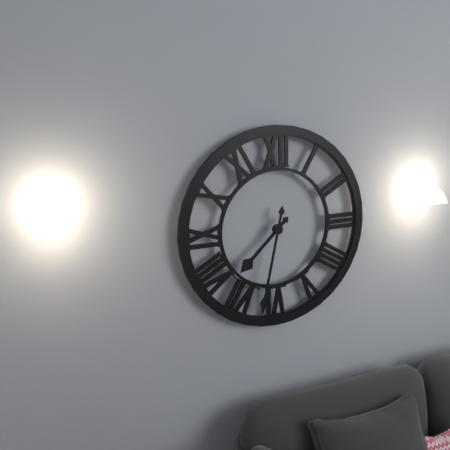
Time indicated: {"hour": 7, "minute": 32}
